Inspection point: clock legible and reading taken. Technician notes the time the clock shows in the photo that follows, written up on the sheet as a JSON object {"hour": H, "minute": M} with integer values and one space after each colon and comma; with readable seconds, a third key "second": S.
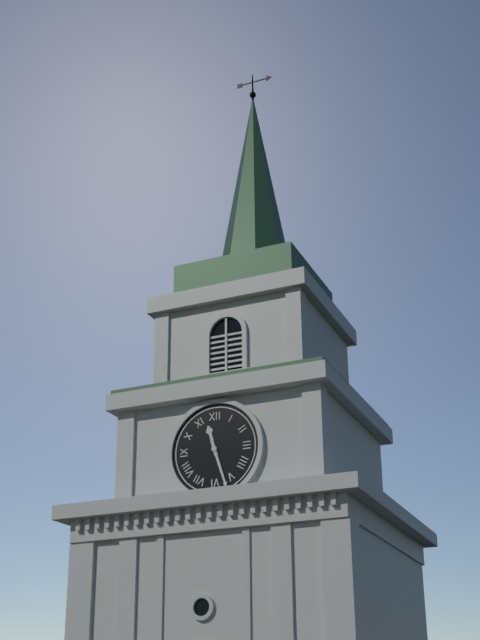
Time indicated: {"hour": 11, "minute": 27}
